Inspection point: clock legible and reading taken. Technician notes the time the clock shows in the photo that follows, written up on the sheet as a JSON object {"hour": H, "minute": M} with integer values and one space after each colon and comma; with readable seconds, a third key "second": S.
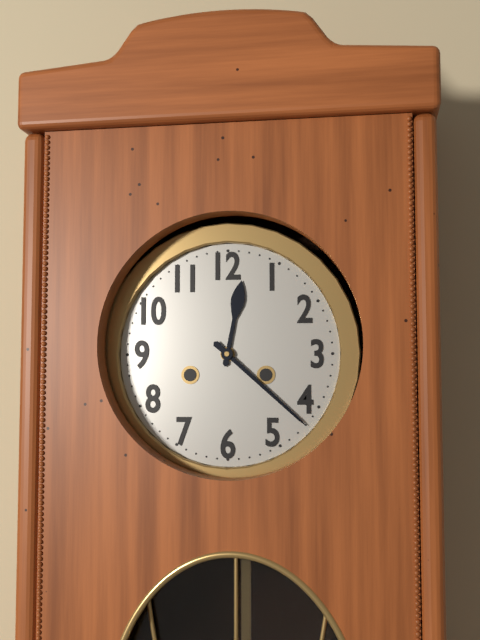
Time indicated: {"hour": 12, "minute": 22}
